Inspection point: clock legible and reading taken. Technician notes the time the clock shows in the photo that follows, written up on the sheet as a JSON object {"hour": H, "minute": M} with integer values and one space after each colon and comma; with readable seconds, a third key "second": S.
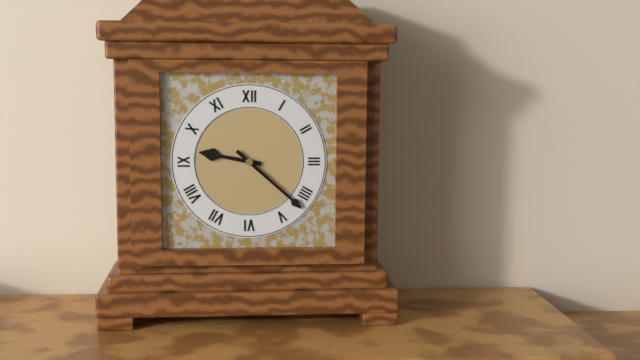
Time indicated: {"hour": 9, "minute": 22}
